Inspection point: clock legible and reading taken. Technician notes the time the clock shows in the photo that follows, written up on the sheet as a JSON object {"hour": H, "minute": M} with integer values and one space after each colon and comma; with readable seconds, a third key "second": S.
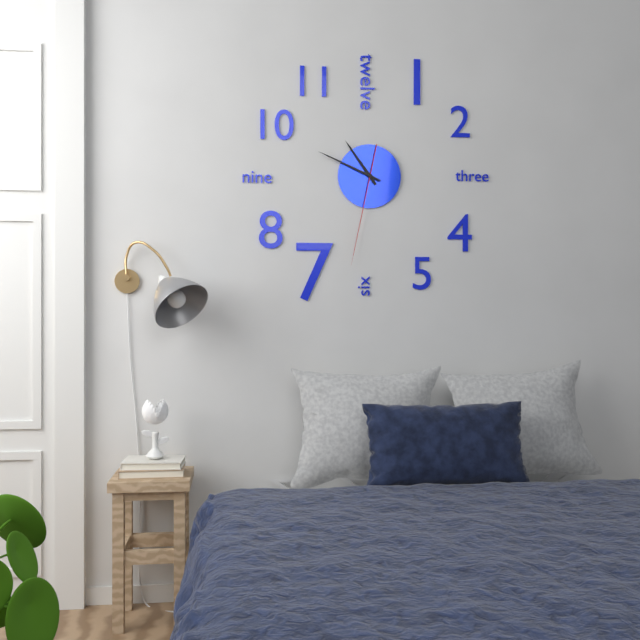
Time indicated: {"hour": 10, "minute": 49, "second": 32}
